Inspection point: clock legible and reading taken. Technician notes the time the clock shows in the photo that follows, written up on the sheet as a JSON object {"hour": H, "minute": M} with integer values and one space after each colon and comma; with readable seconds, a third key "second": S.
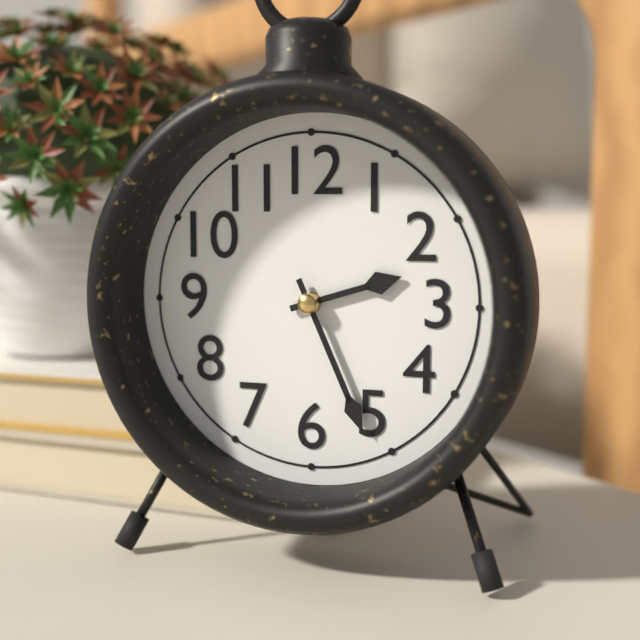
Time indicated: {"hour": 2, "minute": 26}
